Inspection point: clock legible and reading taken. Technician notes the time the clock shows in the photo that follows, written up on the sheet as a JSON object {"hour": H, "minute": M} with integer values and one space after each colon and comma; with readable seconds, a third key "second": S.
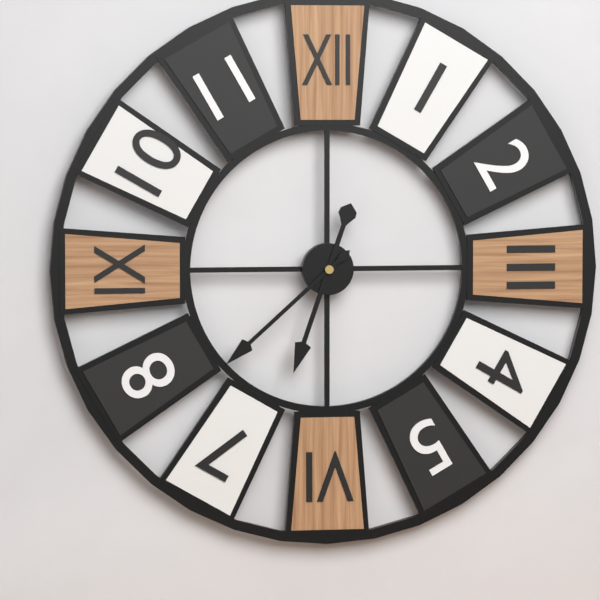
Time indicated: {"hour": 6, "minute": 38}
